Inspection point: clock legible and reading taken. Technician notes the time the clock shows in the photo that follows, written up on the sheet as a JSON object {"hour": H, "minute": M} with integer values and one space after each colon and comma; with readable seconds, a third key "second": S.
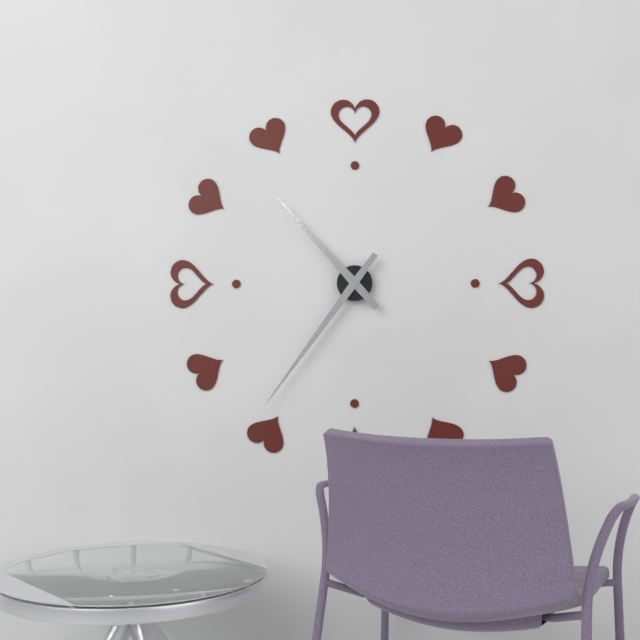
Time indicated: {"hour": 10, "minute": 36}
